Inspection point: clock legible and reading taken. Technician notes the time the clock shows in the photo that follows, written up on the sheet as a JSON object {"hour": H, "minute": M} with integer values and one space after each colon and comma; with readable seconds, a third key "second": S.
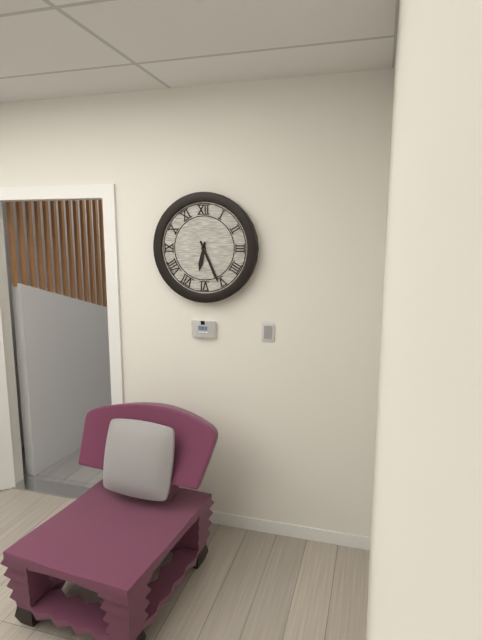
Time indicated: {"hour": 6, "minute": 26}
